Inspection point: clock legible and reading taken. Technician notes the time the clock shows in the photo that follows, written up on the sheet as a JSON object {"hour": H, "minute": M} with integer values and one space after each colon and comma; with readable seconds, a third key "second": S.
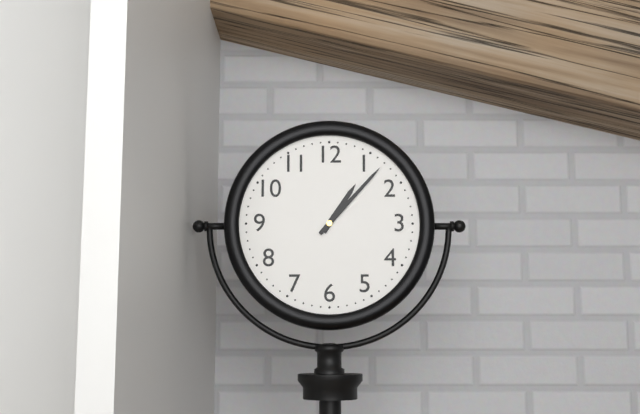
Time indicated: {"hour": 1, "minute": 7}
